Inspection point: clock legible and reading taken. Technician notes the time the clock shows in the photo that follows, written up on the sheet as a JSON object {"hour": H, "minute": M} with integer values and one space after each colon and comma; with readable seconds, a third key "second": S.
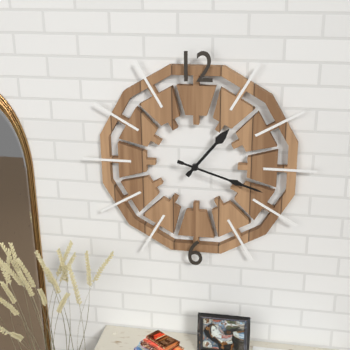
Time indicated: {"hour": 1, "minute": 18}
